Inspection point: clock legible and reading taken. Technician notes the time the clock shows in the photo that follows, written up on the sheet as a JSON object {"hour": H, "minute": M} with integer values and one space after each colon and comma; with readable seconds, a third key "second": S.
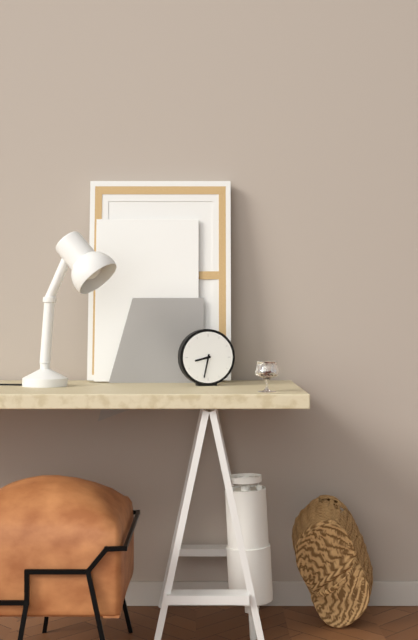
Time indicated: {"hour": 8, "minute": 32}
